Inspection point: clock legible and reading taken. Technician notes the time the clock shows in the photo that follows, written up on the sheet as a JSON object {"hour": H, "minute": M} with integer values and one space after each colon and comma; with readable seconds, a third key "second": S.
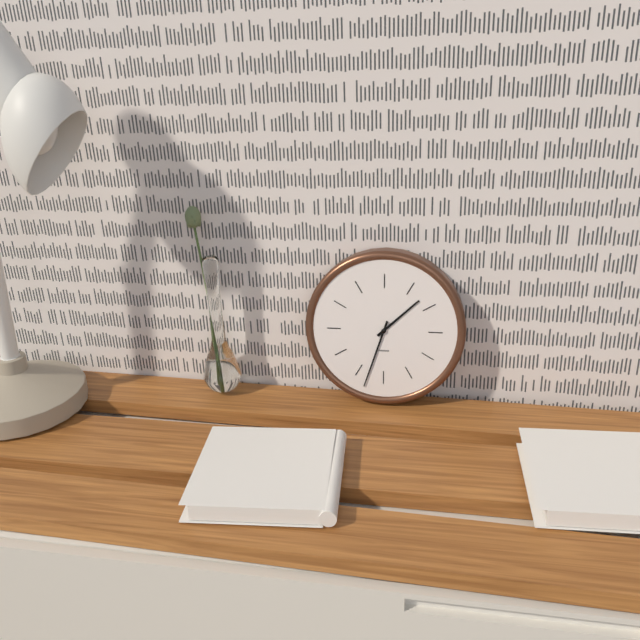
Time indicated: {"hour": 1, "minute": 33}
